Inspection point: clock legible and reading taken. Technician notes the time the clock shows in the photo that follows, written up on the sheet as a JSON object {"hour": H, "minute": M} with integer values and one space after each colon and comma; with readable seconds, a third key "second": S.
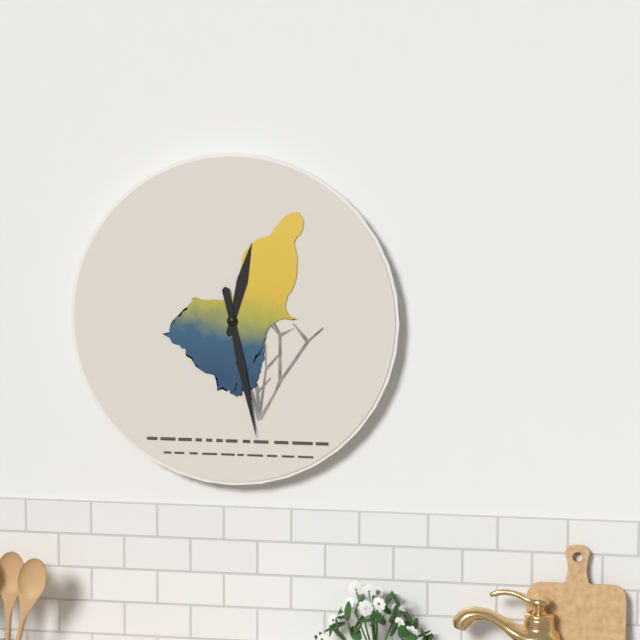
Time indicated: {"hour": 12, "minute": 28}
